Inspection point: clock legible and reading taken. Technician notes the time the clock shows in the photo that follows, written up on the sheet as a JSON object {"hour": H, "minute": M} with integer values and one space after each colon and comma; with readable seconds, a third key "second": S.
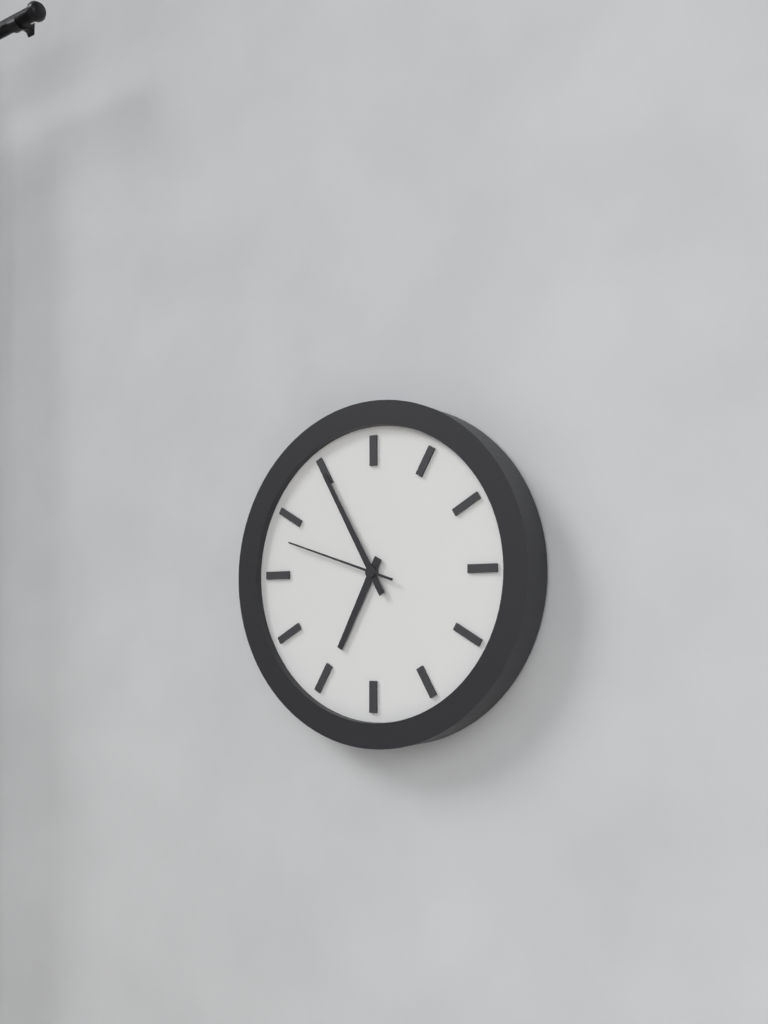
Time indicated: {"hour": 6, "minute": 55, "second": 48}
